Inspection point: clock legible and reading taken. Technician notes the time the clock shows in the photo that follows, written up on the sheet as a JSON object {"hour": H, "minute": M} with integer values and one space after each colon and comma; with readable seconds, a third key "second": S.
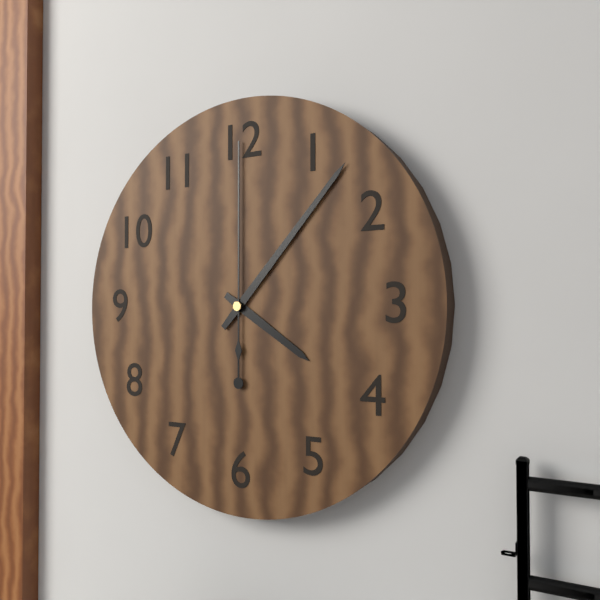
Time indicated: {"hour": 4, "minute": 7, "second": 0}
